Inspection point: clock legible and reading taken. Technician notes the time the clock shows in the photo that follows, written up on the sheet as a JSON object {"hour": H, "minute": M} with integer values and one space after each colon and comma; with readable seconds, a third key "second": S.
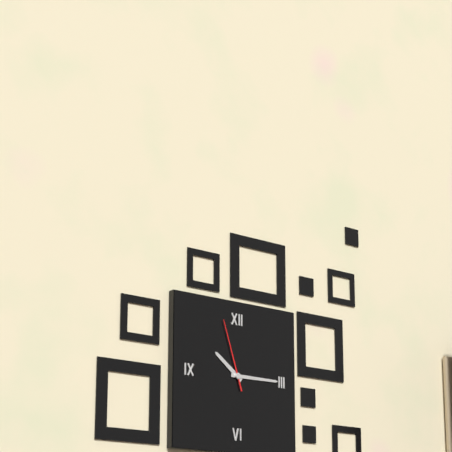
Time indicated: {"hour": 10, "minute": 15, "second": 57}
